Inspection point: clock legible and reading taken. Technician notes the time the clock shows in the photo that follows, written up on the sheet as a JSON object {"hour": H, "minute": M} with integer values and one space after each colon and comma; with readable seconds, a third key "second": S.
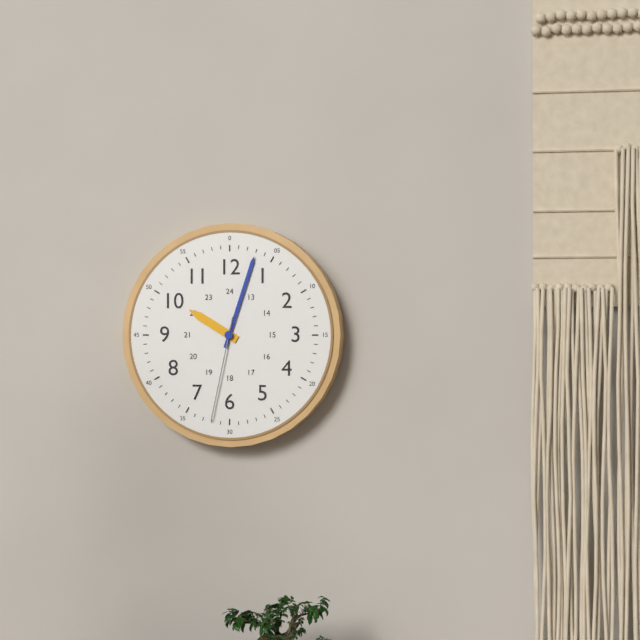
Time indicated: {"hour": 10, "minute": 3, "second": 32}
